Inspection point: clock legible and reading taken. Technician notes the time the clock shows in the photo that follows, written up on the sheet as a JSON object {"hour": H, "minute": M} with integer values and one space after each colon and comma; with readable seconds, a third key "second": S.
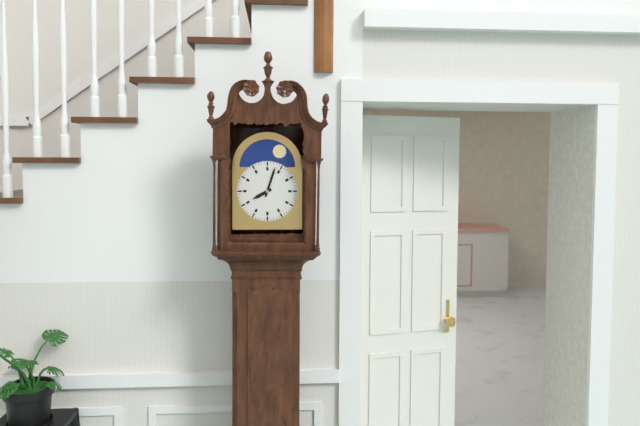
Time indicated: {"hour": 8, "minute": 3}
